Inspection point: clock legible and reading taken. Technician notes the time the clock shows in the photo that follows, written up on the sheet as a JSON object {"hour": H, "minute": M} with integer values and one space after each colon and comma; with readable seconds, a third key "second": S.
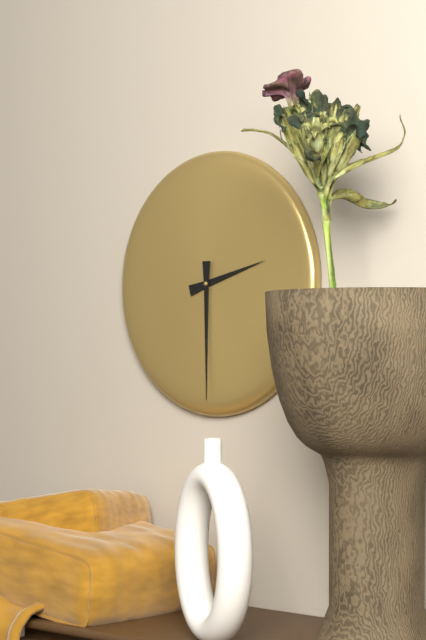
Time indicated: {"hour": 2, "minute": 30}
